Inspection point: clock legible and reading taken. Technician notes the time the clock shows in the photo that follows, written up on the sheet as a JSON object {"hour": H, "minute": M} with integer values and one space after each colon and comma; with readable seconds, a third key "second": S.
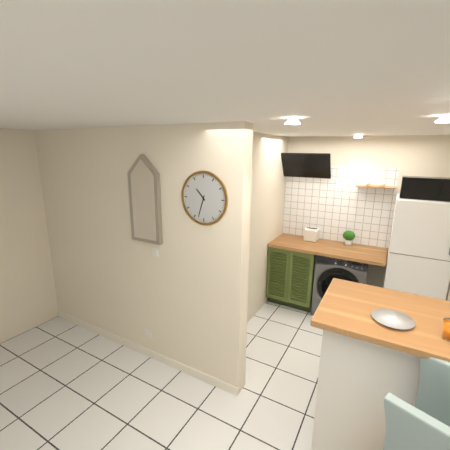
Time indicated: {"hour": 10, "minute": 33}
